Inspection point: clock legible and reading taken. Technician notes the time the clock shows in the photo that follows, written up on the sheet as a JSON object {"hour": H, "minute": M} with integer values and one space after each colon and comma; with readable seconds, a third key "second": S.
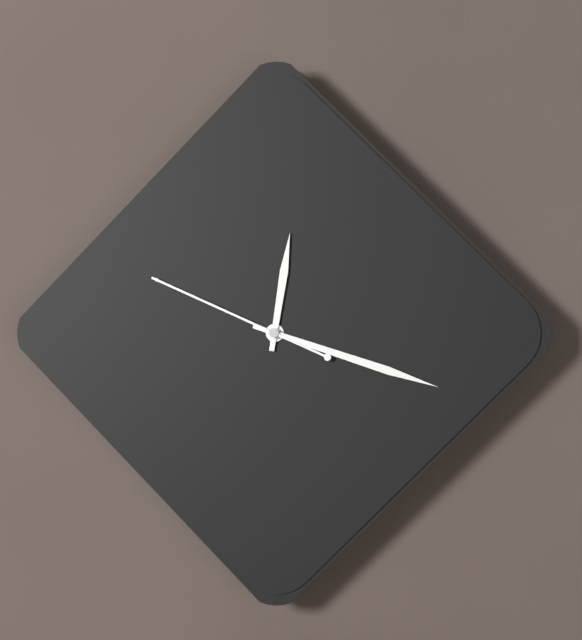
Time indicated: {"hour": 12, "minute": 18, "second": 49}
